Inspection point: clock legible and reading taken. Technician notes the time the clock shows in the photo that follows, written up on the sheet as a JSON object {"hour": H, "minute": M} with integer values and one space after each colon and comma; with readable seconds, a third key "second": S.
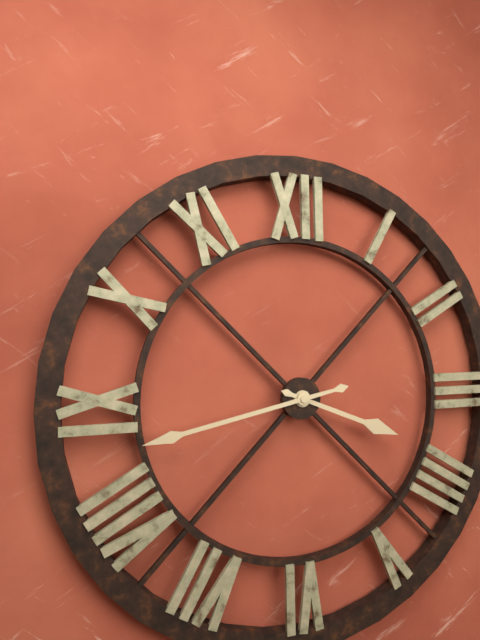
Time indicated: {"hour": 3, "minute": 43}
